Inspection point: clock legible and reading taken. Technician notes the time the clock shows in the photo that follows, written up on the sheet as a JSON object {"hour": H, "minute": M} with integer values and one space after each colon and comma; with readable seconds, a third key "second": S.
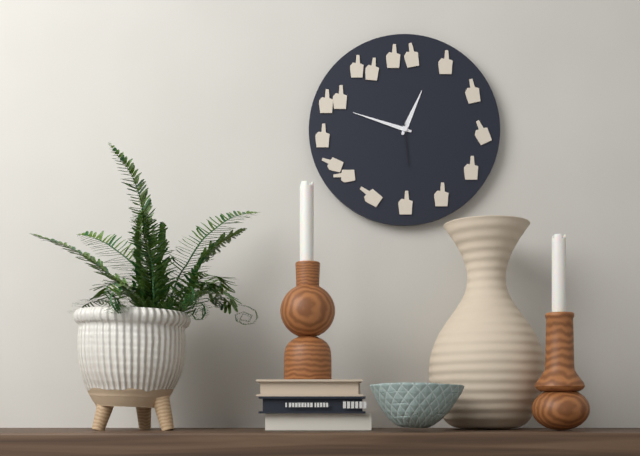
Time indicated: {"hour": 12, "minute": 48}
